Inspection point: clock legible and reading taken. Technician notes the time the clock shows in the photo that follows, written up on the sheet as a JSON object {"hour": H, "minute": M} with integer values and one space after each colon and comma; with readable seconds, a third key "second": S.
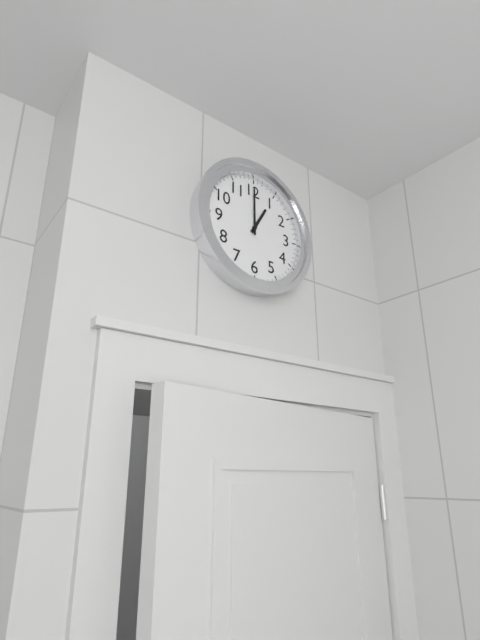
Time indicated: {"hour": 1, "minute": 0}
